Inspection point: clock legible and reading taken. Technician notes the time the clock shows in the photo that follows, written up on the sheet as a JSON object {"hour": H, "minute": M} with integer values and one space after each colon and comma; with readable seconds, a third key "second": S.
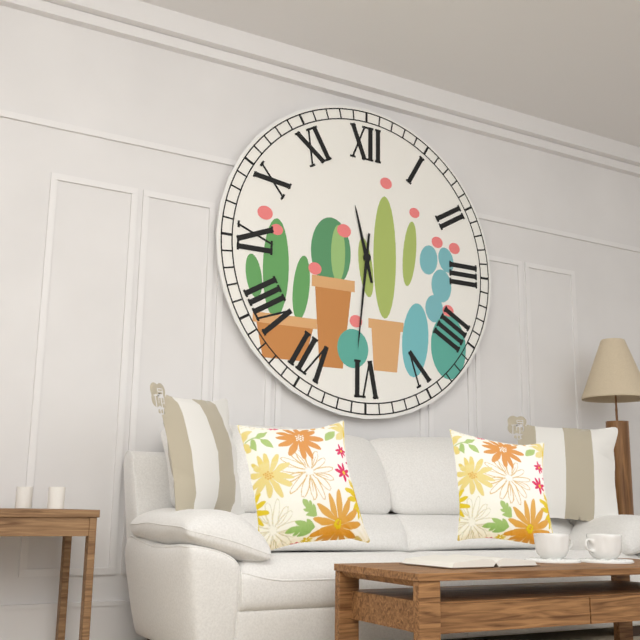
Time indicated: {"hour": 11, "minute": 31}
